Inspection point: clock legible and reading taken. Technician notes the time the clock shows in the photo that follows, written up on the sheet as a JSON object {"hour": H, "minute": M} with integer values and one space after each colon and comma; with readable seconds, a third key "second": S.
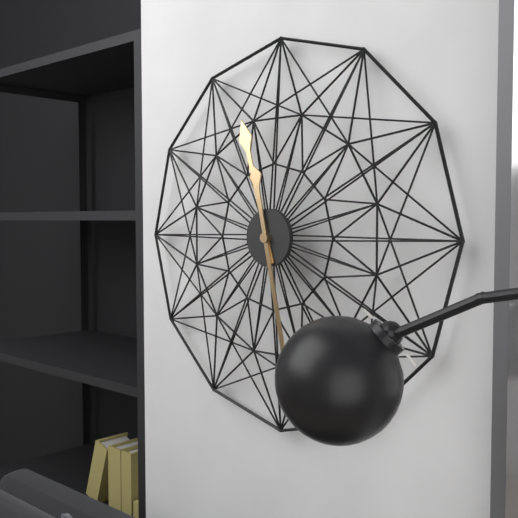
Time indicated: {"hour": 11, "minute": 28}
